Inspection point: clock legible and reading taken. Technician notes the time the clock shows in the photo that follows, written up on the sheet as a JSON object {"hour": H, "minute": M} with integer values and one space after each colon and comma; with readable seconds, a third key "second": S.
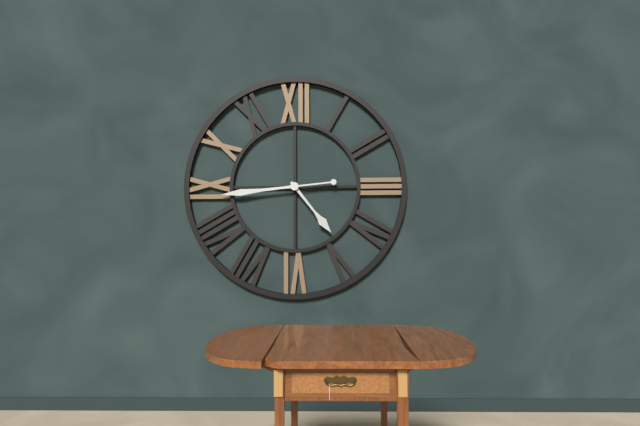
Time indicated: {"hour": 4, "minute": 44}
